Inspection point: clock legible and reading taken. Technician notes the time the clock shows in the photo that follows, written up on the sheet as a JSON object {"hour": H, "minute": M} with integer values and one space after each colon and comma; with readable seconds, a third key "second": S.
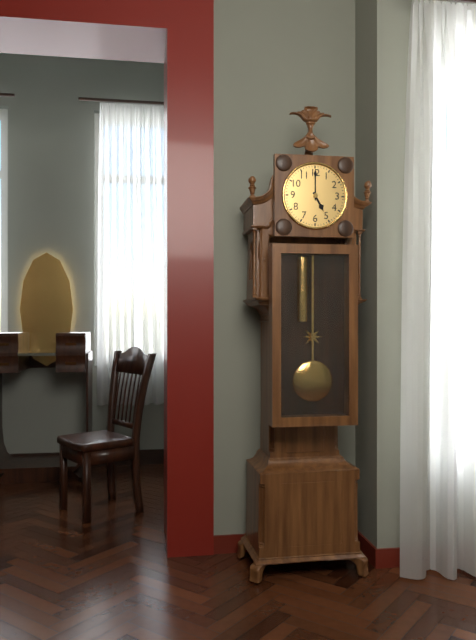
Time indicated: {"hour": 5, "minute": 0}
